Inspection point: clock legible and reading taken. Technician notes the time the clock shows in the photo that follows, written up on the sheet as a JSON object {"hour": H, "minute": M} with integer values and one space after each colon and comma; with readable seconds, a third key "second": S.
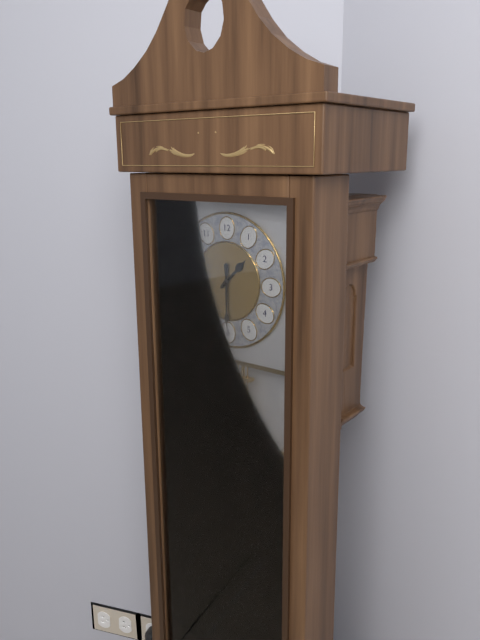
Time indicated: {"hour": 1, "minute": 30}
